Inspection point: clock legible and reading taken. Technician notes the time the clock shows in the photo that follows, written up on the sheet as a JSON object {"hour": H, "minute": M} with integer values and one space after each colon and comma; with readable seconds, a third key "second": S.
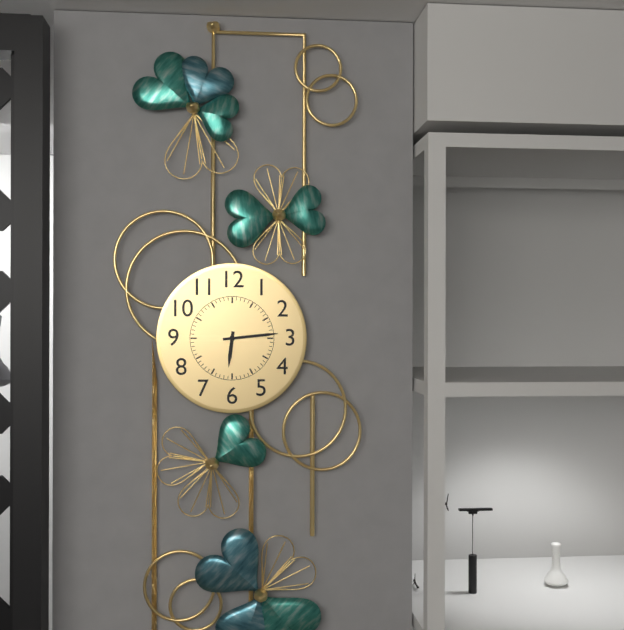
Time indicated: {"hour": 6, "minute": 14}
